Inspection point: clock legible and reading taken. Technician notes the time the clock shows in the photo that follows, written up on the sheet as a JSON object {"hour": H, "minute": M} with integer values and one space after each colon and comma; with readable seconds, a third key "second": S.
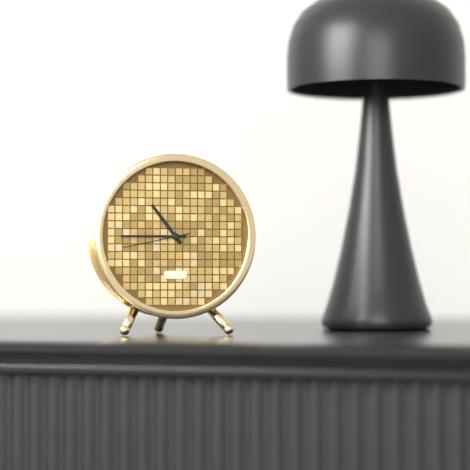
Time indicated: {"hour": 10, "minute": 45, "second": 43}
